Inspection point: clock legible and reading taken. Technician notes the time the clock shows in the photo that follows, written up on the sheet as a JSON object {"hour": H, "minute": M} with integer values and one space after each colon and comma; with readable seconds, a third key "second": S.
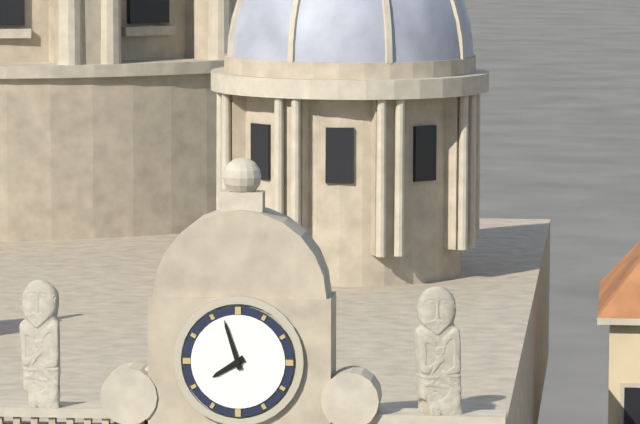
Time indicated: {"hour": 7, "minute": 57}
